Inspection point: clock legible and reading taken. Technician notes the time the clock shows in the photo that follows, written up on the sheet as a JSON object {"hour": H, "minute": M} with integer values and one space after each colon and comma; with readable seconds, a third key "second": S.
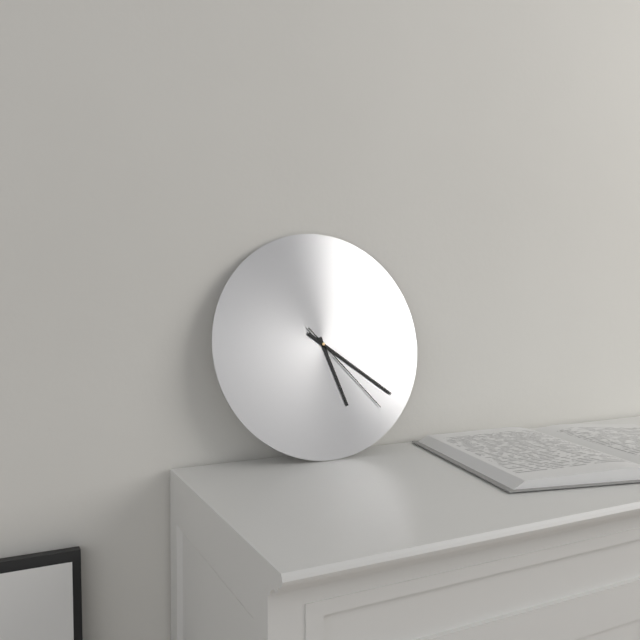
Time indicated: {"hour": 5, "minute": 21, "second": 23}
